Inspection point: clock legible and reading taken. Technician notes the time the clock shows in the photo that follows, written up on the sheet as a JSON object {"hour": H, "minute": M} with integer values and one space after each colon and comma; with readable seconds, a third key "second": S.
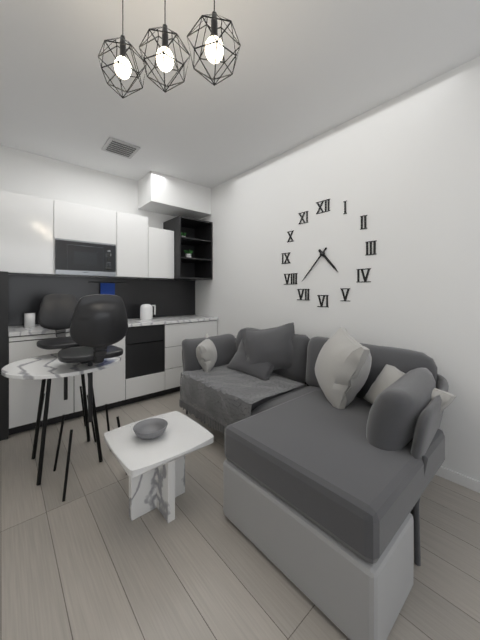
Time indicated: {"hour": 4, "minute": 37}
